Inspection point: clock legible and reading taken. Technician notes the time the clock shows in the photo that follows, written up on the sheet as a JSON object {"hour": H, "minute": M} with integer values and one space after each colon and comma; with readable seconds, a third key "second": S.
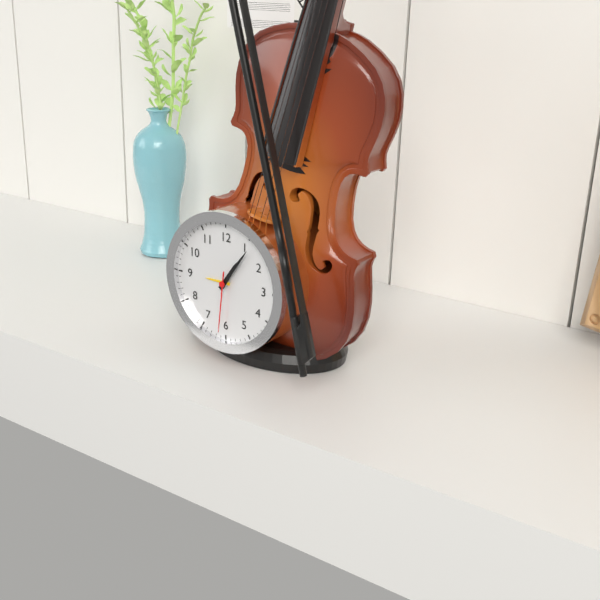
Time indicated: {"hour": 1, "minute": 6, "second": 31}
